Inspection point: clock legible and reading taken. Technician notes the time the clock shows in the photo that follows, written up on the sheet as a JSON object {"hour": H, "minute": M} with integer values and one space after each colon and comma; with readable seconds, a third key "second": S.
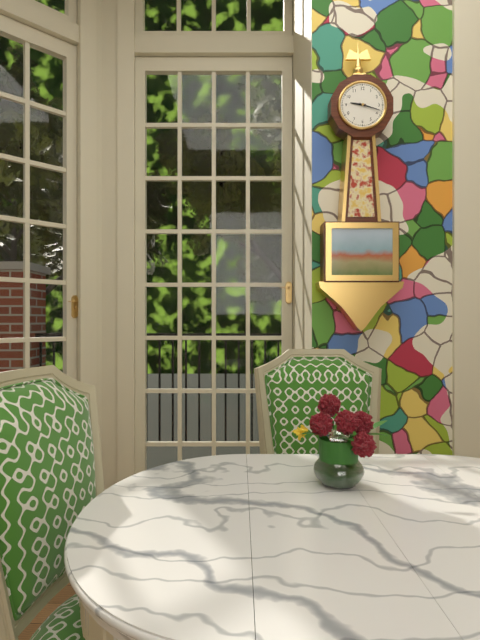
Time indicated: {"hour": 9, "minute": 18}
